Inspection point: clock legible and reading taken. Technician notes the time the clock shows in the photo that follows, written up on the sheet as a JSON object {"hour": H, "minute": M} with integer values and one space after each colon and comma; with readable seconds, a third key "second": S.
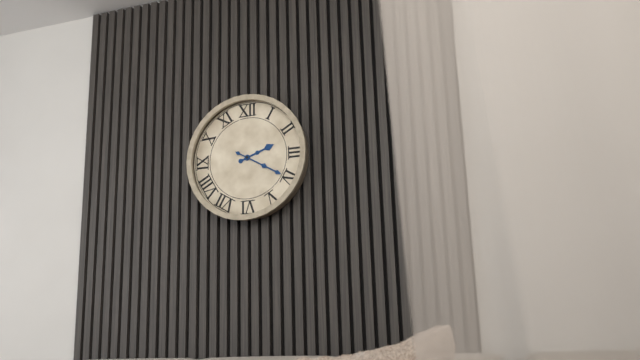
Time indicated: {"hour": 2, "minute": 20}
